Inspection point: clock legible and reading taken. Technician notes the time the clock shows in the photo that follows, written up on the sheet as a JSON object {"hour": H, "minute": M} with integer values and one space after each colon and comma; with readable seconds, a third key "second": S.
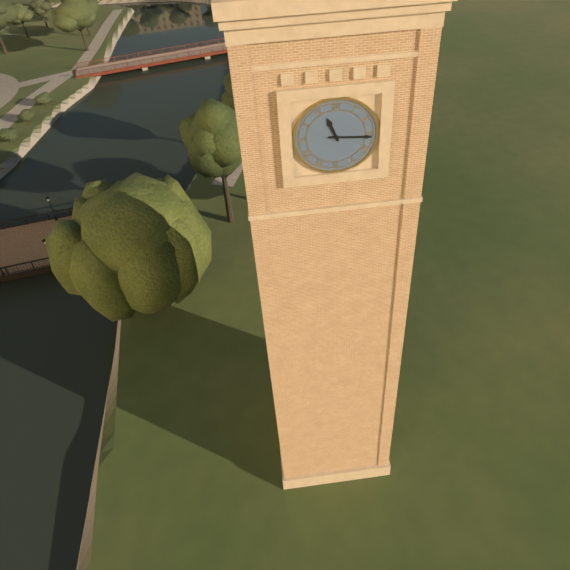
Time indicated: {"hour": 11, "minute": 16}
